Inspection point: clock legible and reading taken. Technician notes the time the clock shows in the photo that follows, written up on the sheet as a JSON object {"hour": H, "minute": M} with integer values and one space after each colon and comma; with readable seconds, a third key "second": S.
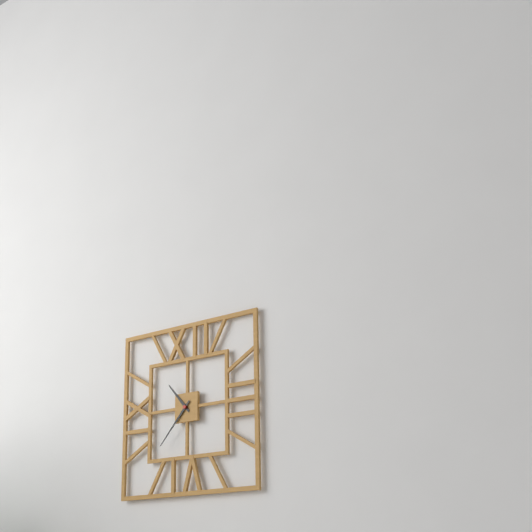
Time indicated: {"hour": 10, "minute": 37}
